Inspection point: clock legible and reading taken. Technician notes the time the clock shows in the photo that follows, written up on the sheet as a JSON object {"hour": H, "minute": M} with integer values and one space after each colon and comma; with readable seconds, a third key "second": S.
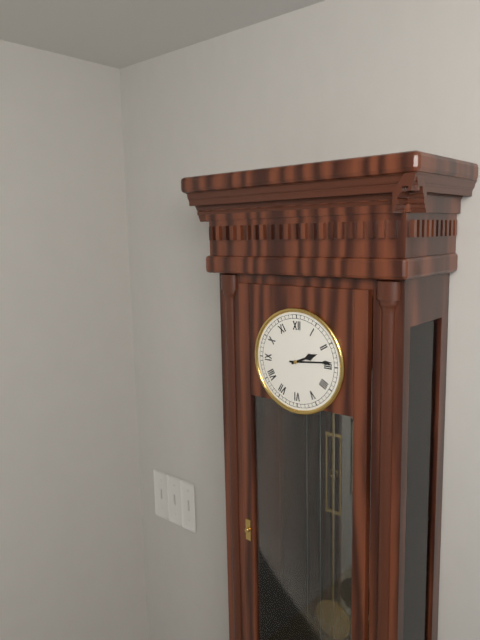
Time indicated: {"hour": 2, "minute": 14}
